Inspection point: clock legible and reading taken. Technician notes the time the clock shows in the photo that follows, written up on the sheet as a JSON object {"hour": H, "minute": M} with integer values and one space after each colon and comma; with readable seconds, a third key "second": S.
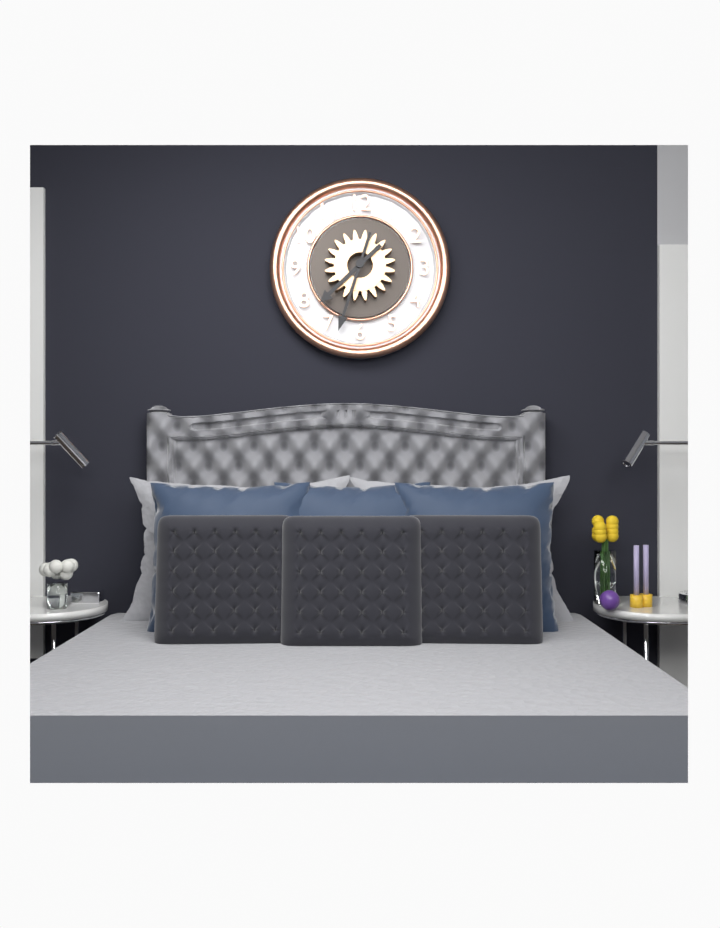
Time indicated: {"hour": 7, "minute": 33}
